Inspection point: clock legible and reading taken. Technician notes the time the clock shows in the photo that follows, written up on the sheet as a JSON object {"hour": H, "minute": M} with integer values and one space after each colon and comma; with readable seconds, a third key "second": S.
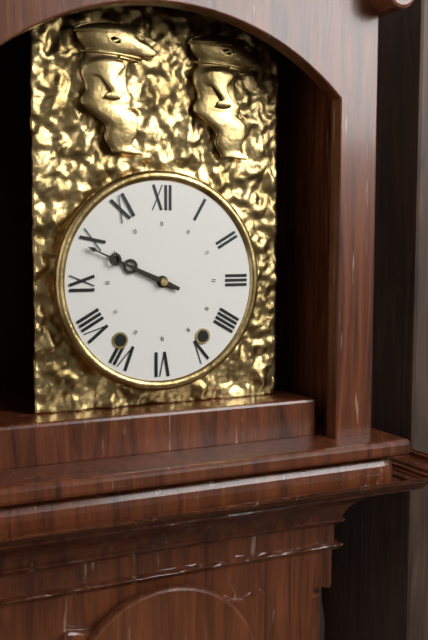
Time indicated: {"hour": 9, "minute": 49}
